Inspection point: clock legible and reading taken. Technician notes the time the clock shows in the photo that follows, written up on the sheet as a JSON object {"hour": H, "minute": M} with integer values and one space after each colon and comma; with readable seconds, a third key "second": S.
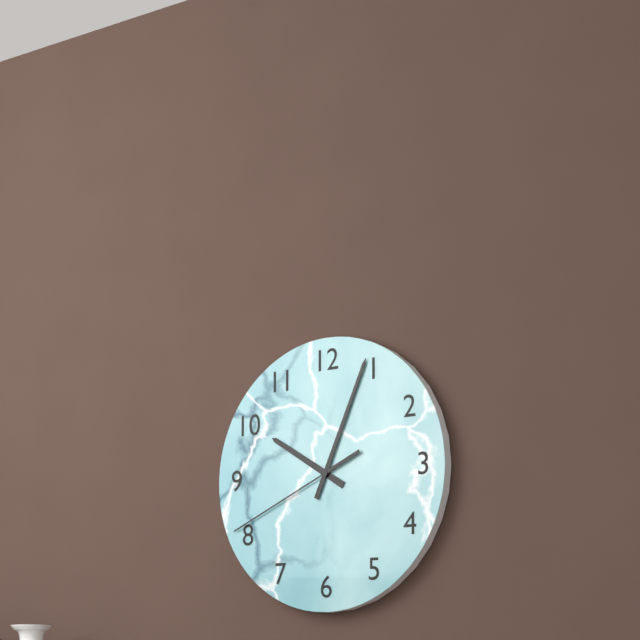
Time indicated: {"hour": 10, "minute": 4, "second": 41}
